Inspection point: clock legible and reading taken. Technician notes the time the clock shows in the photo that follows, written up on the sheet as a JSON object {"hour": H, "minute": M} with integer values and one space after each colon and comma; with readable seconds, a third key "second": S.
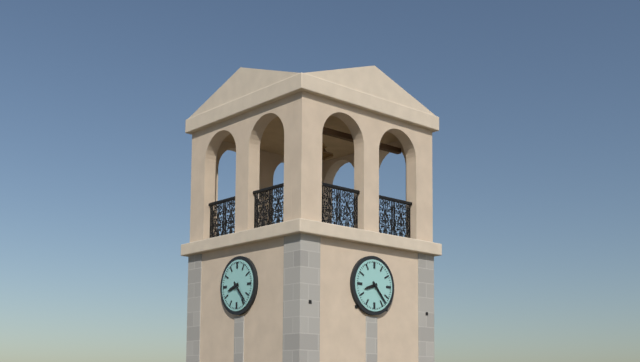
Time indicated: {"hour": 8, "minute": 23}
